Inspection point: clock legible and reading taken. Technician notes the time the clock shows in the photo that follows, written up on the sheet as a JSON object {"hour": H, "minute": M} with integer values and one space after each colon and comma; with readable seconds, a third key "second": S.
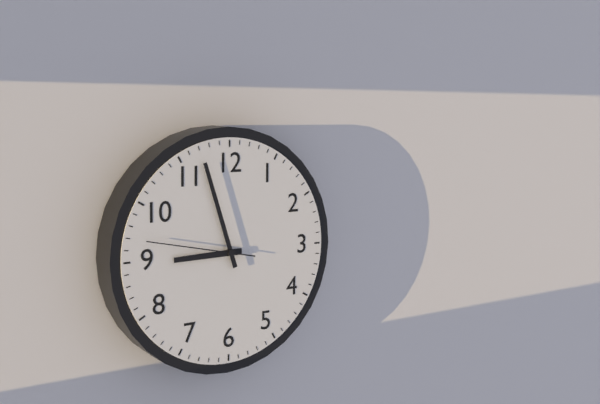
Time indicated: {"hour": 8, "minute": 57, "second": 47}
